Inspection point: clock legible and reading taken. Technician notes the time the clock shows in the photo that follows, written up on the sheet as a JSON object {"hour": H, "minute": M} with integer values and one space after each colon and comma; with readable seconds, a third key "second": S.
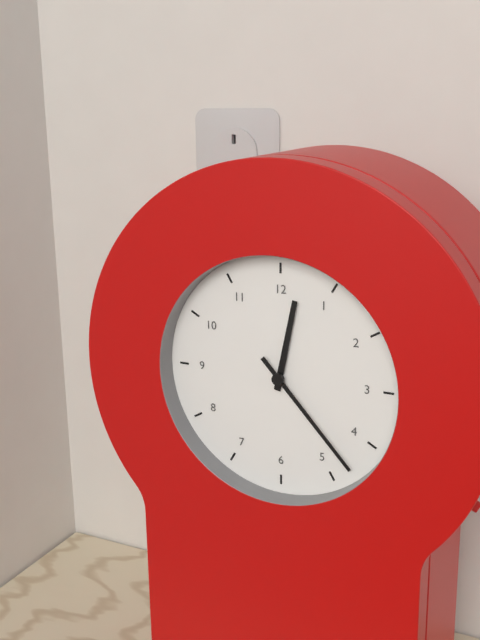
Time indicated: {"hour": 12, "minute": 23}
